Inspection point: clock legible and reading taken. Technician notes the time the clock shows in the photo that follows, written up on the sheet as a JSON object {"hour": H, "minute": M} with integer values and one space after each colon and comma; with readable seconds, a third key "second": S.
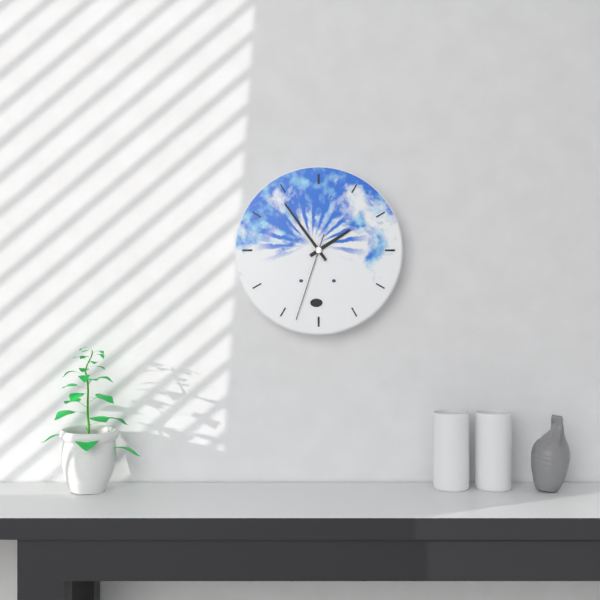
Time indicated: {"hour": 1, "minute": 54, "second": 33}
